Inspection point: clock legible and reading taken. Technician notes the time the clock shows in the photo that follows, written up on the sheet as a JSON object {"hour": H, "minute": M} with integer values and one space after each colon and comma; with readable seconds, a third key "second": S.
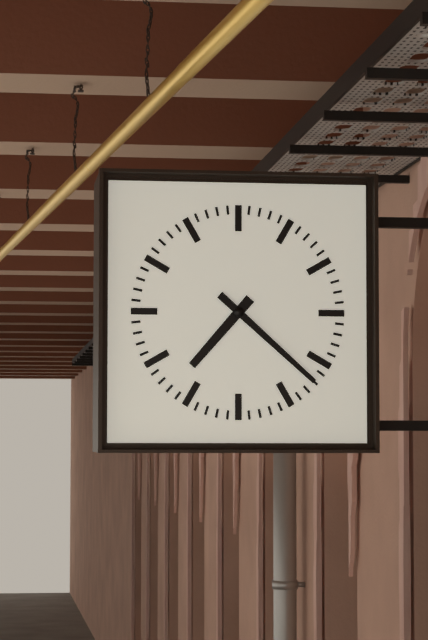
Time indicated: {"hour": 7, "minute": 22}
